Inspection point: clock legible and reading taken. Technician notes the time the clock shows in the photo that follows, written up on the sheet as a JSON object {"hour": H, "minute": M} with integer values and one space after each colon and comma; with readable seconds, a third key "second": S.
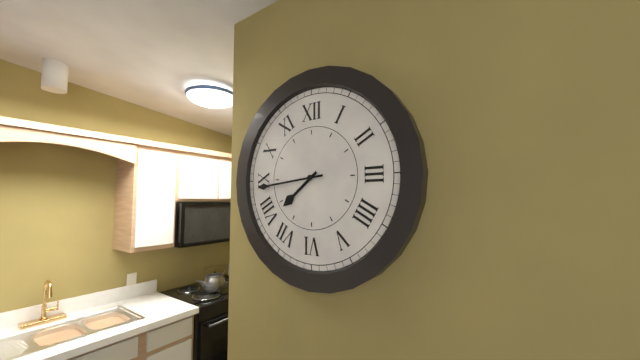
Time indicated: {"hour": 7, "minute": 44}
